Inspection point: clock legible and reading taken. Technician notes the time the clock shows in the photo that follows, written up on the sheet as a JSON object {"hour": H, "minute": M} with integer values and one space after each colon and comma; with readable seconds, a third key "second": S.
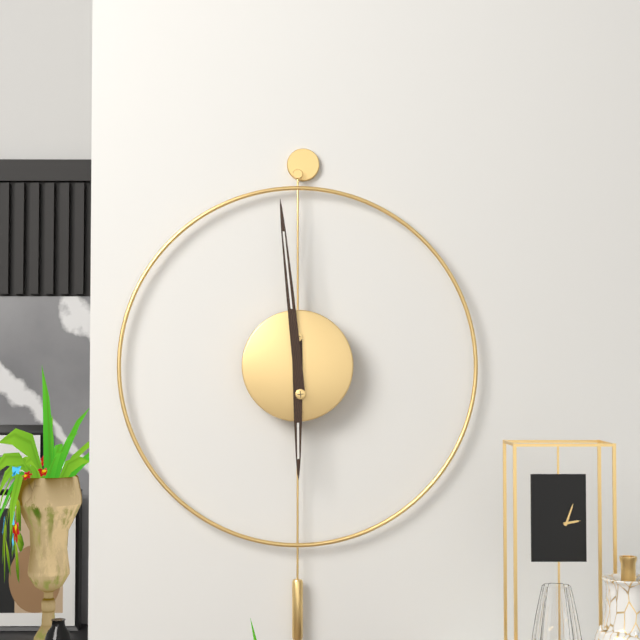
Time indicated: {"hour": 5, "minute": 59}
